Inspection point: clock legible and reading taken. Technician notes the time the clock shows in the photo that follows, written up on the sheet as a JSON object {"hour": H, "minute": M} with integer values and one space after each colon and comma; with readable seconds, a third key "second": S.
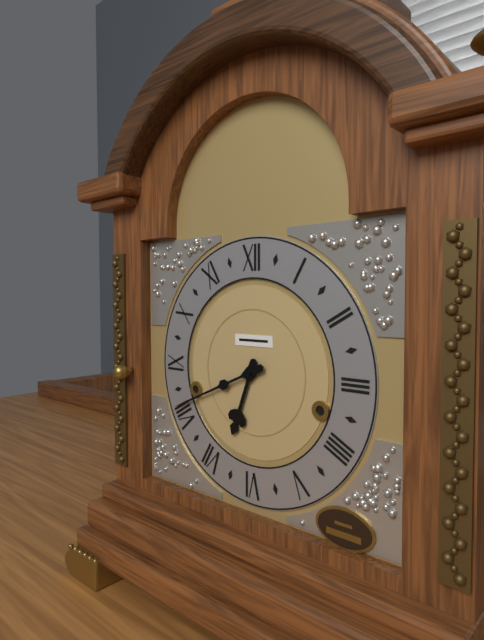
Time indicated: {"hour": 6, "minute": 41}
